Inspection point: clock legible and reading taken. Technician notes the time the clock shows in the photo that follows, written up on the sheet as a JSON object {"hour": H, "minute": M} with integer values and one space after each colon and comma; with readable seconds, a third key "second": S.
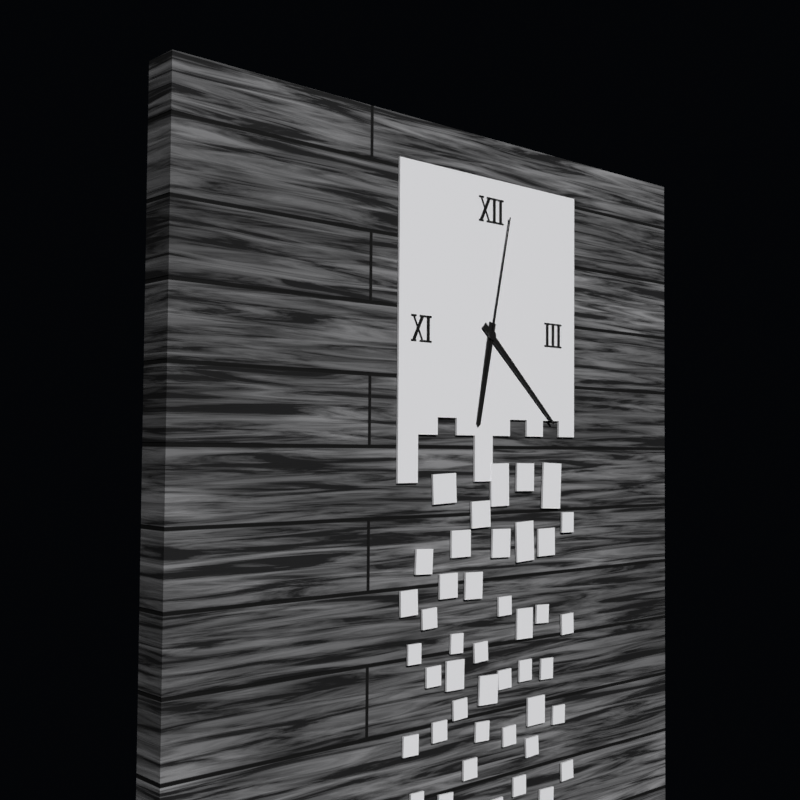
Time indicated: {"hour": 6, "minute": 22, "second": 2}
